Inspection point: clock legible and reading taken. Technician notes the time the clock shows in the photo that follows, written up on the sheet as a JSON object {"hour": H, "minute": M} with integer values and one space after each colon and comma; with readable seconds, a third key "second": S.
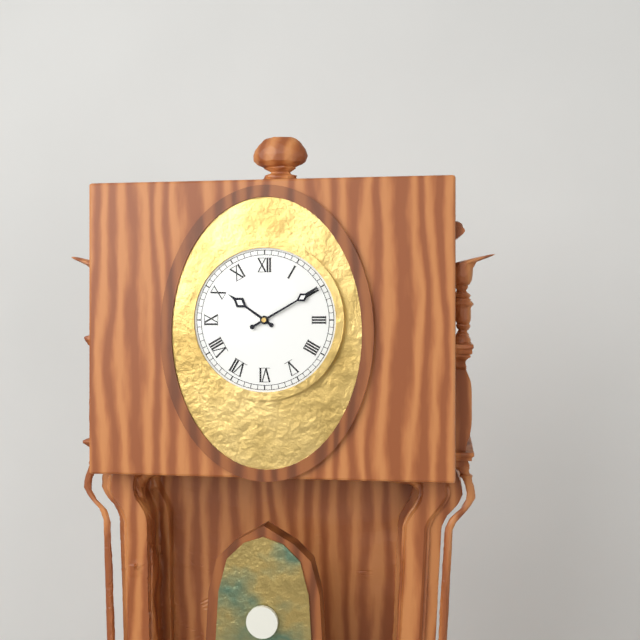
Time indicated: {"hour": 10, "minute": 10}
